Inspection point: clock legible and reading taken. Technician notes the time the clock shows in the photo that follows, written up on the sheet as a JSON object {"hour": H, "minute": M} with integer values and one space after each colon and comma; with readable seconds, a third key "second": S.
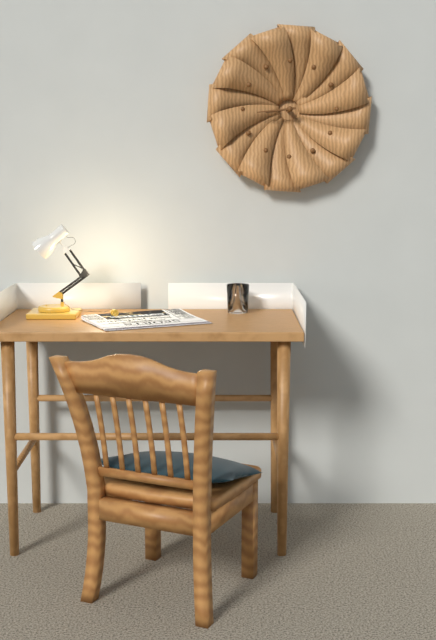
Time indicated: {"hour": 8, "minute": 44}
